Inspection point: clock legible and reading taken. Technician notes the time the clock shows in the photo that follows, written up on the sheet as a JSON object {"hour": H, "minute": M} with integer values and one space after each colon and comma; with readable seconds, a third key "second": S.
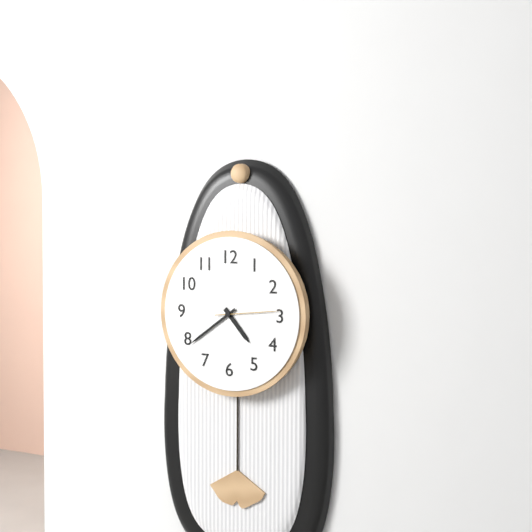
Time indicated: {"hour": 4, "minute": 39, "second": 14}
